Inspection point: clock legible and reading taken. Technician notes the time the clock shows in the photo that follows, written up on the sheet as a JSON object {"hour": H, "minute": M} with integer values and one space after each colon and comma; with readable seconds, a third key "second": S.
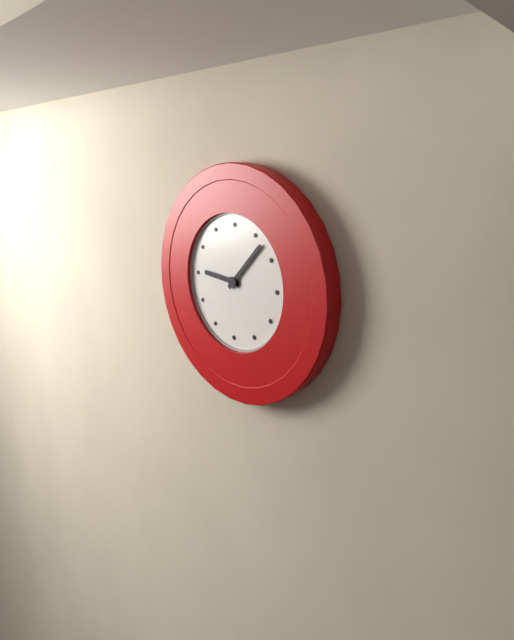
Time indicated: {"hour": 9, "minute": 7}
